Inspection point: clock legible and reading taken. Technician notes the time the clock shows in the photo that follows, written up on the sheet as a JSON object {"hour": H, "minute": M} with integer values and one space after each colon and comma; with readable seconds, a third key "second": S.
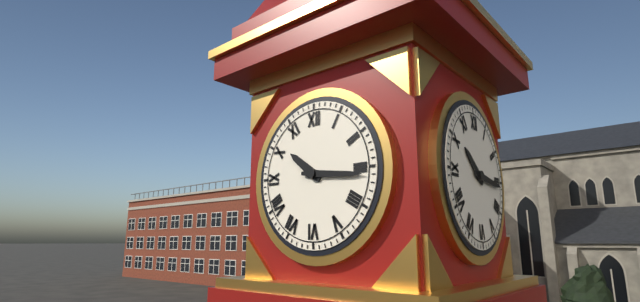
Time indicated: {"hour": 10, "minute": 16}
